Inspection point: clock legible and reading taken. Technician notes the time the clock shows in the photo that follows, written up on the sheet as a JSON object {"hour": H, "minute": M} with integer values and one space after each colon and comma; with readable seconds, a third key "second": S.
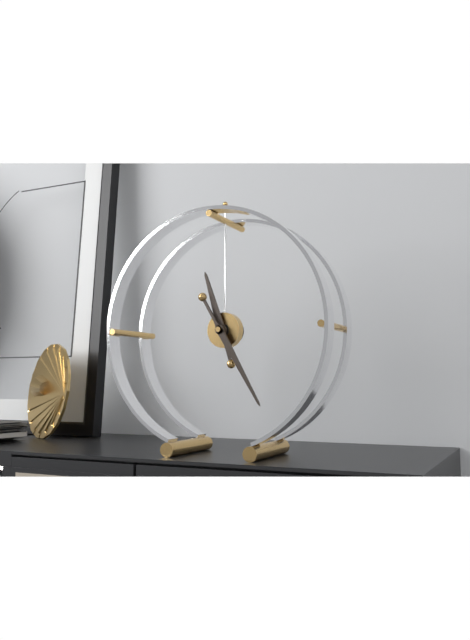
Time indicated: {"hour": 11, "minute": 25}
